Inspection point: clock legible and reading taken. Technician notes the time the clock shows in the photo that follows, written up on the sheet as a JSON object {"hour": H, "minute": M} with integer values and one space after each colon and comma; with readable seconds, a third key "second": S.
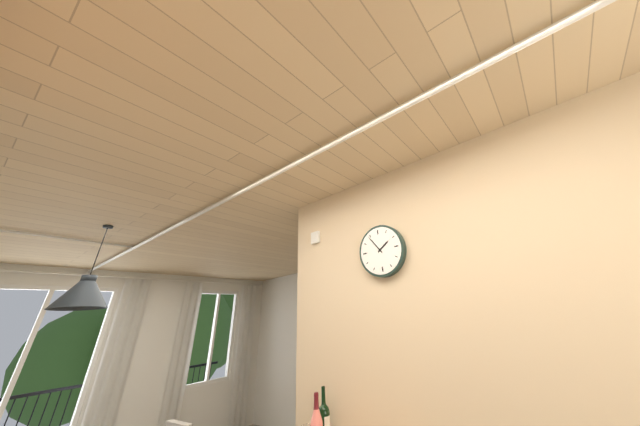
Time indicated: {"hour": 1, "minute": 54}
